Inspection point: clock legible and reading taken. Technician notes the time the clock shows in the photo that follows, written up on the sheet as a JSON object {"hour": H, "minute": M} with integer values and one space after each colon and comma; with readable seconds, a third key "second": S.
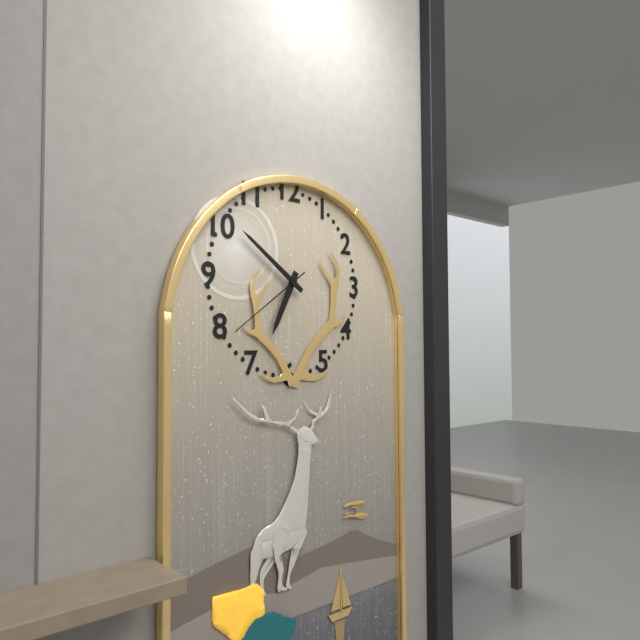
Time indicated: {"hour": 6, "minute": 51, "second": 39}
